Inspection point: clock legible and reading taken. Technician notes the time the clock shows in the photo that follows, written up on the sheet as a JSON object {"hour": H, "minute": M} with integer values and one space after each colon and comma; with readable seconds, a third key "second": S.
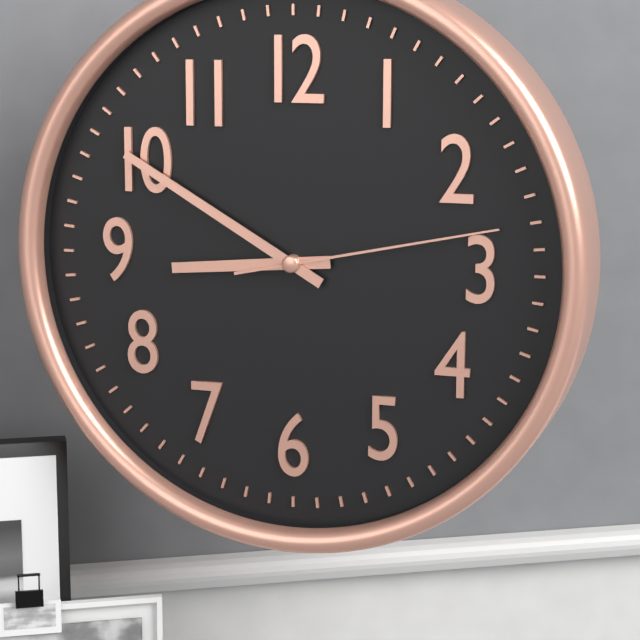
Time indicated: {"hour": 8, "minute": 50, "second": 13}
